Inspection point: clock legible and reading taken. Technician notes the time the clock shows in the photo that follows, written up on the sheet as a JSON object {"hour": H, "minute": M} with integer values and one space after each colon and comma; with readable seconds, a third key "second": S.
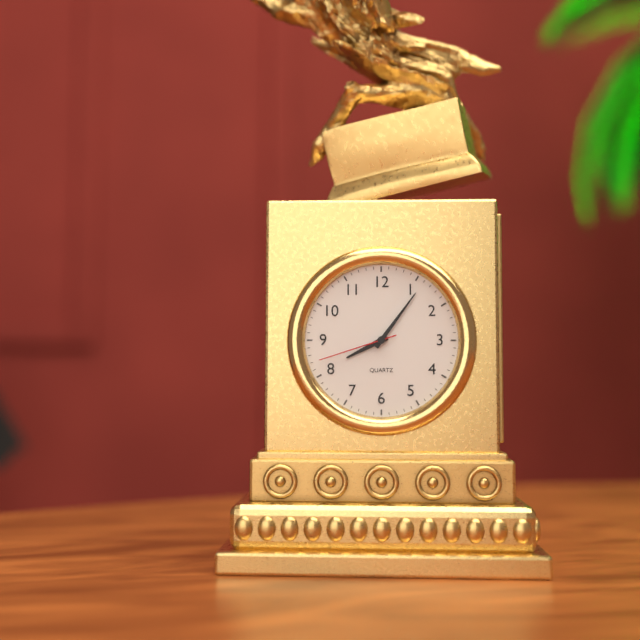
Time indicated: {"hour": 8, "minute": 6, "second": 42}
